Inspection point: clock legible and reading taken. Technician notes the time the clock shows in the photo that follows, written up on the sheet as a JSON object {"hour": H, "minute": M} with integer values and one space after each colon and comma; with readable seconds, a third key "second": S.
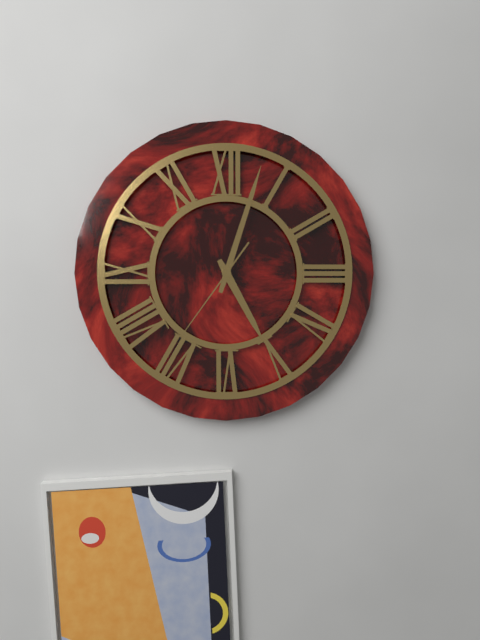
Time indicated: {"hour": 5, "minute": 3, "second": 36}
